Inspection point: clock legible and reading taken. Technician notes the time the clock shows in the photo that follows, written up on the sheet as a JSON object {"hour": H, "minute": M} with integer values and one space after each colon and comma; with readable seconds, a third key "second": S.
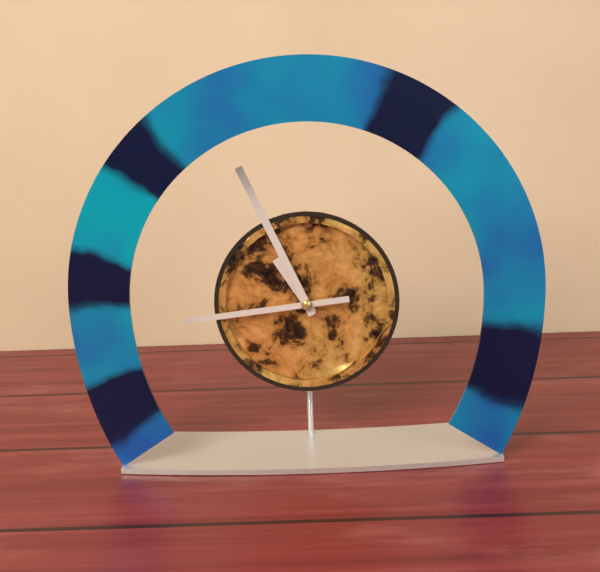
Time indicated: {"hour": 10, "minute": 56, "second": 44}
